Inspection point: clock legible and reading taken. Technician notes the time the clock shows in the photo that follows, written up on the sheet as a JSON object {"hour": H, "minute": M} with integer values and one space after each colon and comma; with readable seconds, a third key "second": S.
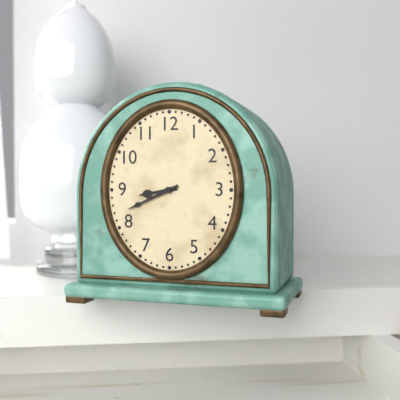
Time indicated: {"hour": 8, "minute": 41}
